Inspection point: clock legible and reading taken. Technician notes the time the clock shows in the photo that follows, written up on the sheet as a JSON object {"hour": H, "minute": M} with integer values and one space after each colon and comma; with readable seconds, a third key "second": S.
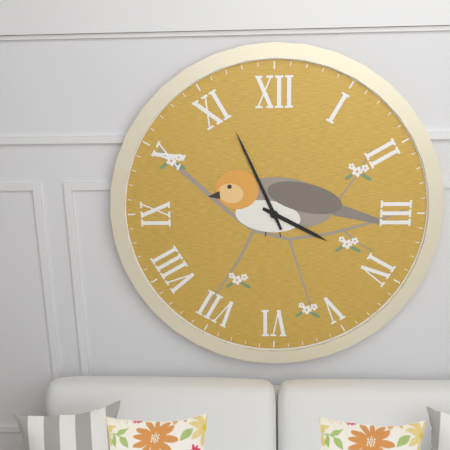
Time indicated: {"hour": 3, "minute": 56}
